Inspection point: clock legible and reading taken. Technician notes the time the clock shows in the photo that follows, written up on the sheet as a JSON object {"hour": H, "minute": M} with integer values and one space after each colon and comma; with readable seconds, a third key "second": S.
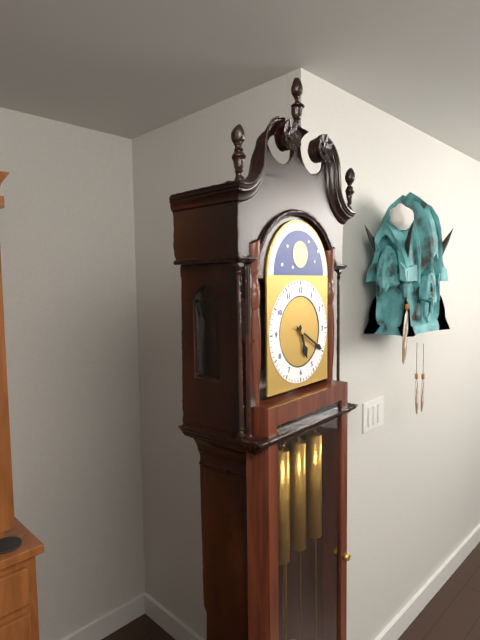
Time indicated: {"hour": 5, "minute": 20}
